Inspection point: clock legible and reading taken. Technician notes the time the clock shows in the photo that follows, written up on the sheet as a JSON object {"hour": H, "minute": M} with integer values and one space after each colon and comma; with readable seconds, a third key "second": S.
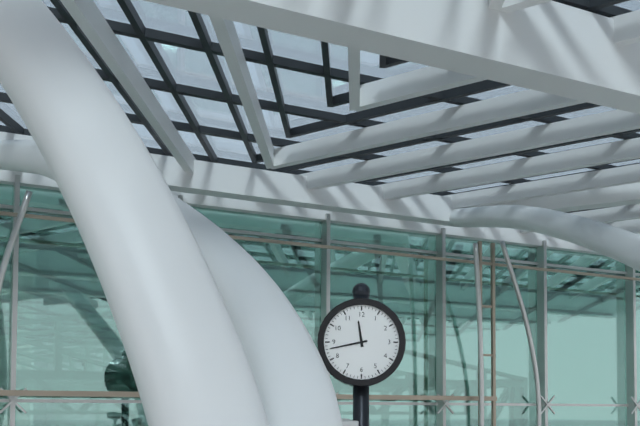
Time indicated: {"hour": 11, "minute": 43}
